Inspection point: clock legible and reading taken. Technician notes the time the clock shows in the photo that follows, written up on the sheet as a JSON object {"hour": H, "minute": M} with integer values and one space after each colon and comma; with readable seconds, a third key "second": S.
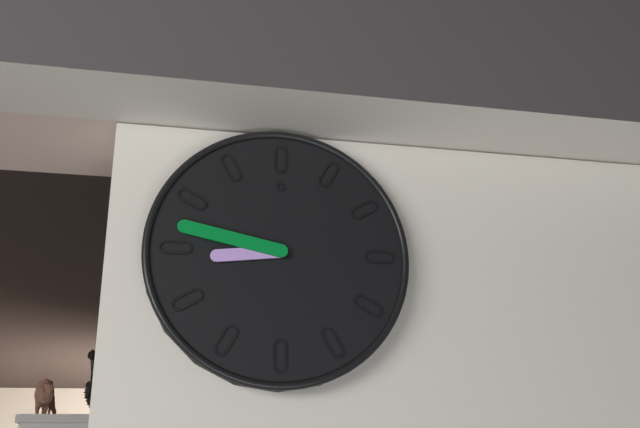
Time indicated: {"hour": 8, "minute": 47}
